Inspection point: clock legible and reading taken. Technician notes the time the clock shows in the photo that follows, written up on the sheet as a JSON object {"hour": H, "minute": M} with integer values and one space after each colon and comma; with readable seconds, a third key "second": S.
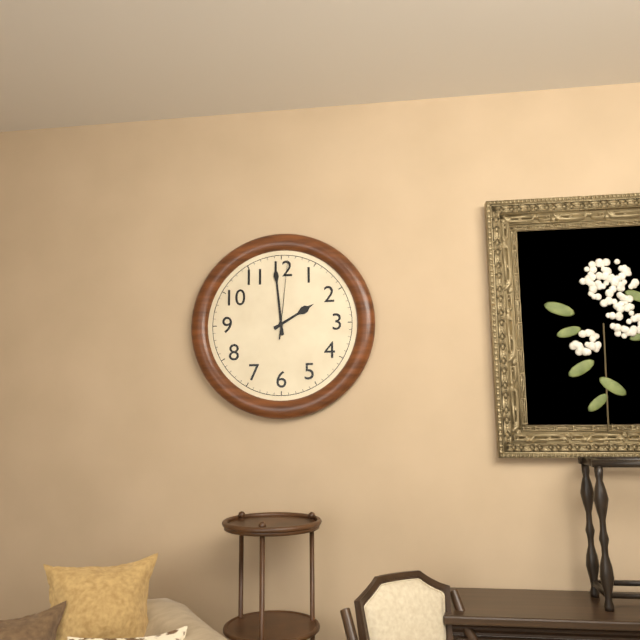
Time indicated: {"hour": 1, "minute": 59, "second": 1}
